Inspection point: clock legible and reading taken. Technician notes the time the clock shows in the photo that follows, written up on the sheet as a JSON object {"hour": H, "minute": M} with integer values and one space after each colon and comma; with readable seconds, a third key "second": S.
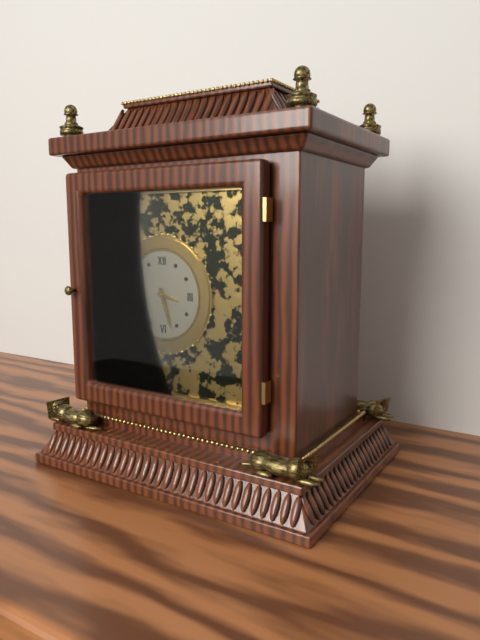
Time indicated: {"hour": 3, "minute": 27}
